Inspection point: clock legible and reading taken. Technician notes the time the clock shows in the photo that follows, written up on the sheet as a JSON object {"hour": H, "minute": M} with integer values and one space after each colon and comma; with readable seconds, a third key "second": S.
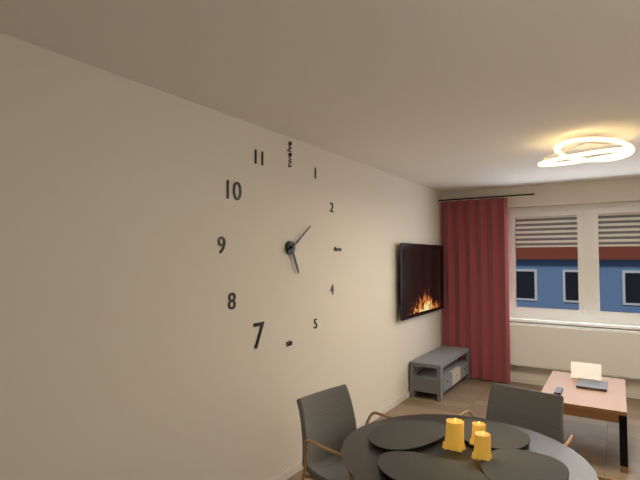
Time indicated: {"hour": 5, "minute": 9}
